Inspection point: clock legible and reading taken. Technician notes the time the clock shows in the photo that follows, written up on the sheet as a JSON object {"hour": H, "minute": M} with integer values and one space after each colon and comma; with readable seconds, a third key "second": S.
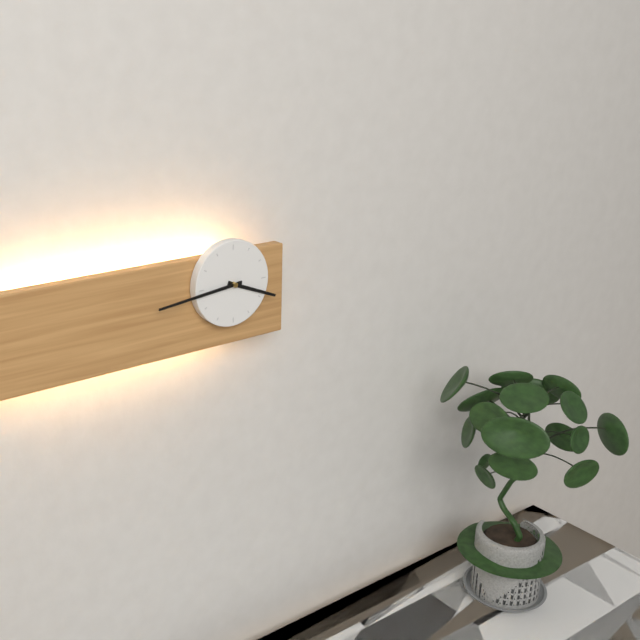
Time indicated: {"hour": 3, "minute": 44}
